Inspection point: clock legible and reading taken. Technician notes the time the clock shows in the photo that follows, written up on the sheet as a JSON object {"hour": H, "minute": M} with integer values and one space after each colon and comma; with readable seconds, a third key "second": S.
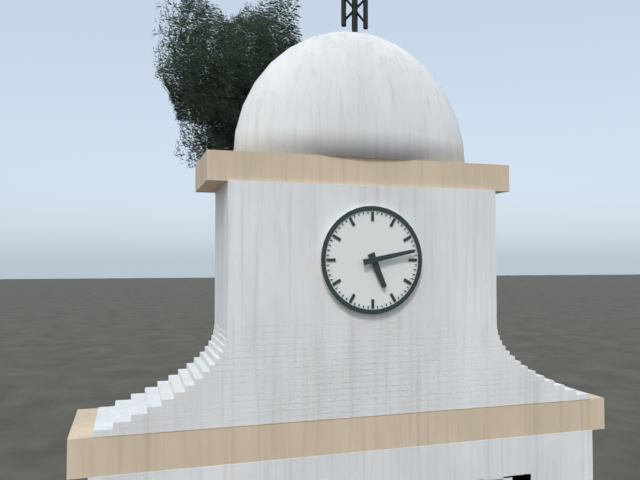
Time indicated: {"hour": 5, "minute": 13}
